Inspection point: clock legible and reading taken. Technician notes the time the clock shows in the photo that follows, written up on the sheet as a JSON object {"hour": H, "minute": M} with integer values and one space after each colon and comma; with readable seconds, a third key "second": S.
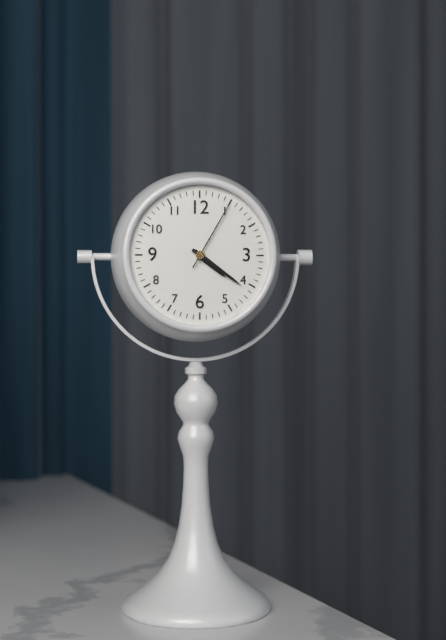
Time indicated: {"hour": 4, "minute": 21, "second": 5}
